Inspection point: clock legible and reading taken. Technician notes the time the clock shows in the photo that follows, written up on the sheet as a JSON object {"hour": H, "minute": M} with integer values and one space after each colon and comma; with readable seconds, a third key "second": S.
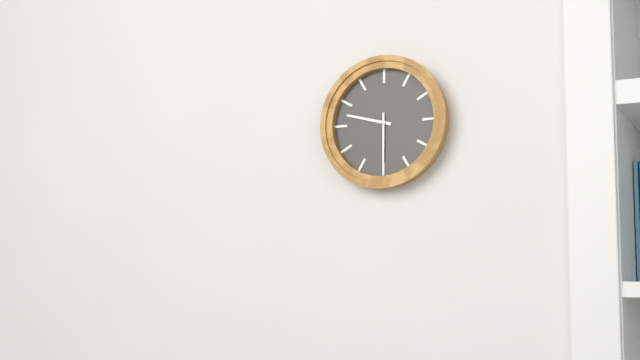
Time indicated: {"hour": 9, "minute": 30}
